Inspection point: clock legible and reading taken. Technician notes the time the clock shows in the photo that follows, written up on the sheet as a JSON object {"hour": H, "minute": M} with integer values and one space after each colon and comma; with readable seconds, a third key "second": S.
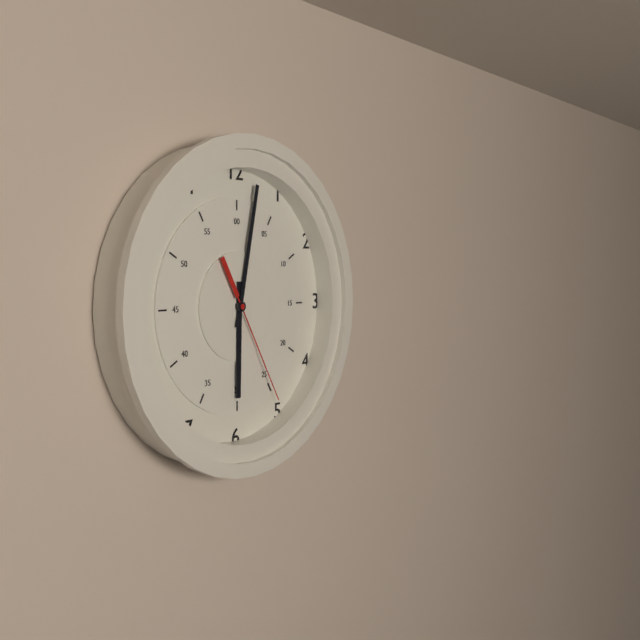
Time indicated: {"hour": 6, "minute": 2, "second": 25}
